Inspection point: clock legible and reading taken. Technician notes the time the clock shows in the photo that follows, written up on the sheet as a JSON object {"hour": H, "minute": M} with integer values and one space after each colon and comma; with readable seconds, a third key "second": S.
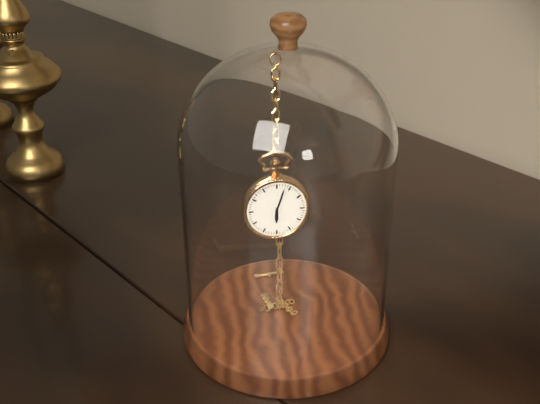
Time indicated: {"hour": 6, "minute": 3}
